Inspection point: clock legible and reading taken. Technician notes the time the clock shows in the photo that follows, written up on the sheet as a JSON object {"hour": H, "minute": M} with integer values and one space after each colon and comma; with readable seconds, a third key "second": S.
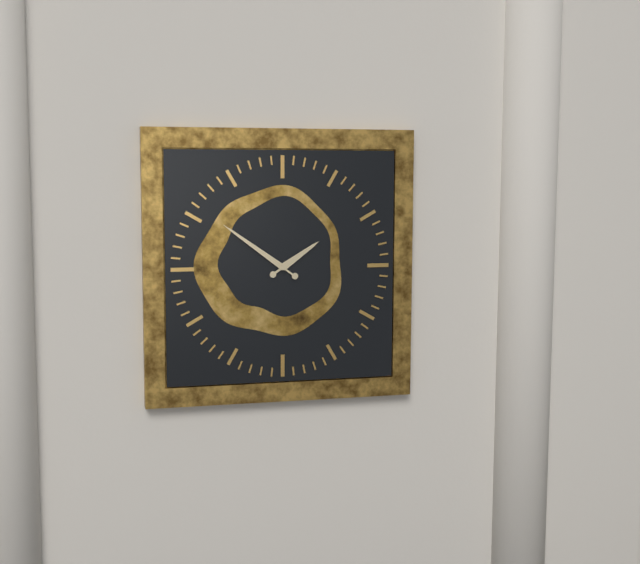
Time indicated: {"hour": 1, "minute": 51}
